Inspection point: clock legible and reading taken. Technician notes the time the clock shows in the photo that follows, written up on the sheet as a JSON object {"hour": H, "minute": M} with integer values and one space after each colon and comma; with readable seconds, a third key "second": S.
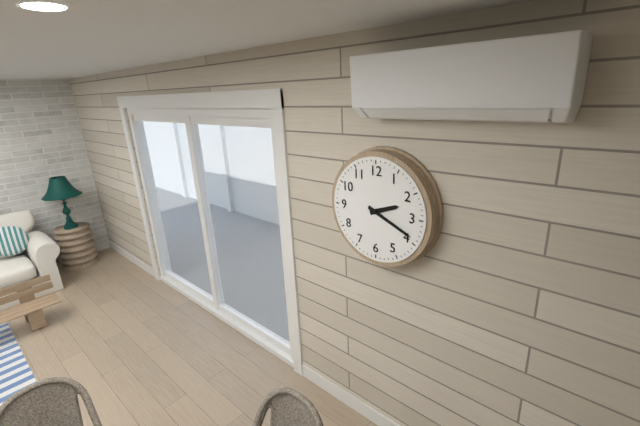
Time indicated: {"hour": 2, "minute": 19}
